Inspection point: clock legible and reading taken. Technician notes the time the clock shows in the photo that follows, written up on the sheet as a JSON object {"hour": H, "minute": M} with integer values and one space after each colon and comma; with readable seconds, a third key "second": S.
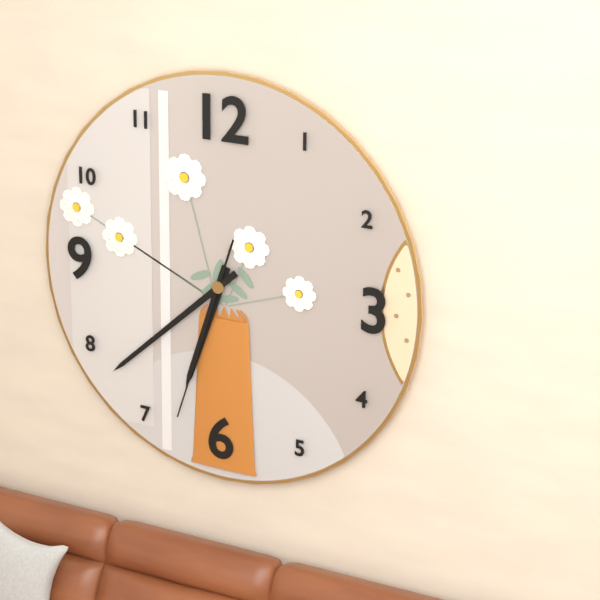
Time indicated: {"hour": 6, "minute": 38, "second": 33}
